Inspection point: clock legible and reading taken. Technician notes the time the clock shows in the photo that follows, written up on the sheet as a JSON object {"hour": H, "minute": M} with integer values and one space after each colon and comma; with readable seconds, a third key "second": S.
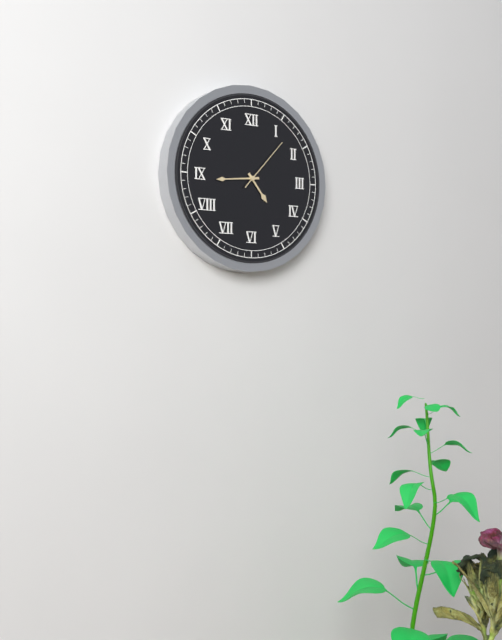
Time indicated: {"hour": 4, "minute": 44, "second": 7}
